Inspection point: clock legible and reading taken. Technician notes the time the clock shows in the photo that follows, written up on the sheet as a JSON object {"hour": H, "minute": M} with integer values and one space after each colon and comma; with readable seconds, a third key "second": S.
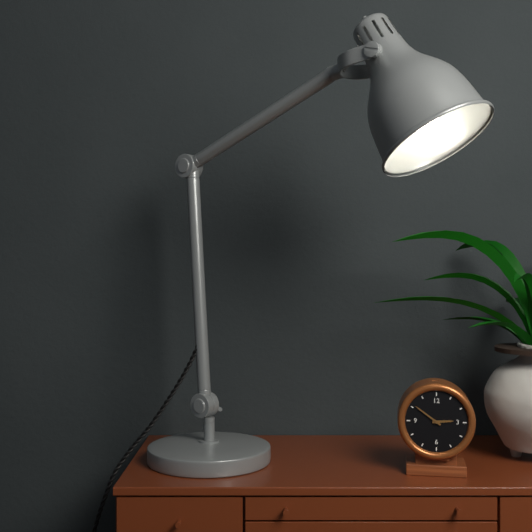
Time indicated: {"hour": 2, "minute": 51}
